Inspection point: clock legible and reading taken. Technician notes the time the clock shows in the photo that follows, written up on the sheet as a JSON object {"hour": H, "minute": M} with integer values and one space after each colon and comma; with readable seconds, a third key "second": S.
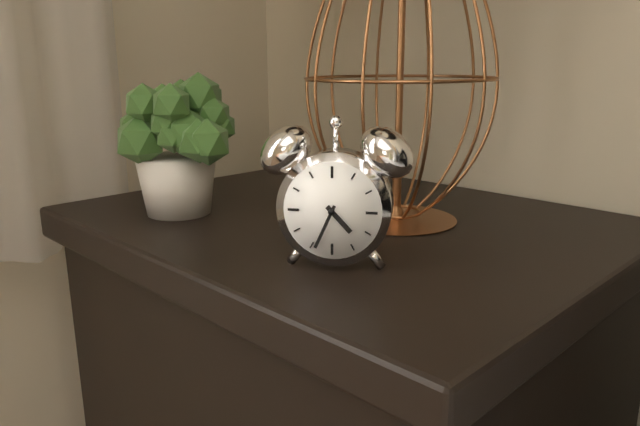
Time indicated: {"hour": 4, "minute": 34}
